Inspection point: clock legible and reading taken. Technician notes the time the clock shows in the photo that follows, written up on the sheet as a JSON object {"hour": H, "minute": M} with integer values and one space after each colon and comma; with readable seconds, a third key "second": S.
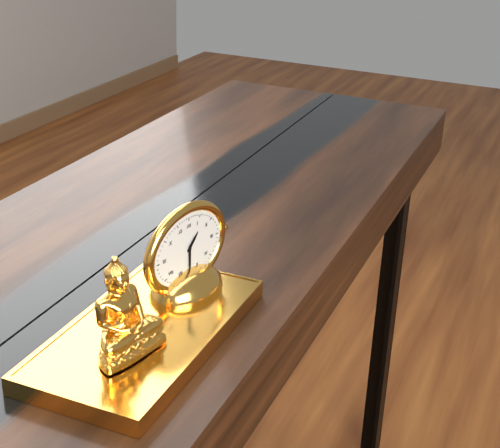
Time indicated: {"hour": 1, "minute": 30}
